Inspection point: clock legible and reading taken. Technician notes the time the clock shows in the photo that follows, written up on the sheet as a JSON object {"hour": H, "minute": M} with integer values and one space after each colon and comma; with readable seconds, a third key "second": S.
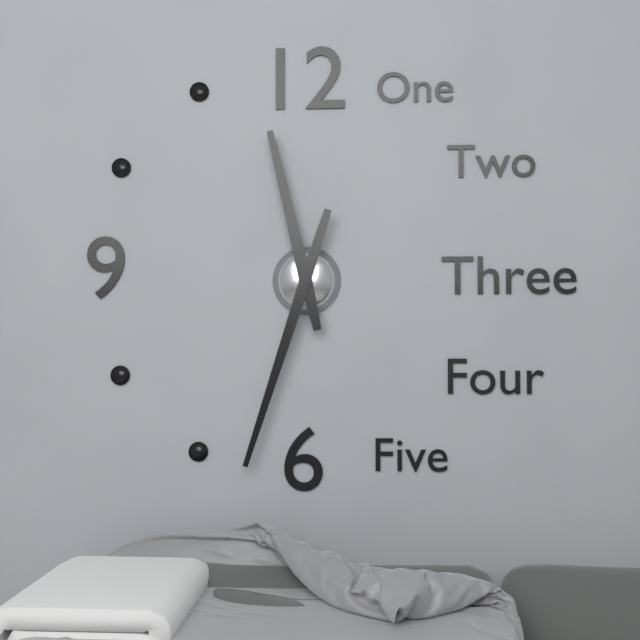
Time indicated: {"hour": 11, "minute": 33}
